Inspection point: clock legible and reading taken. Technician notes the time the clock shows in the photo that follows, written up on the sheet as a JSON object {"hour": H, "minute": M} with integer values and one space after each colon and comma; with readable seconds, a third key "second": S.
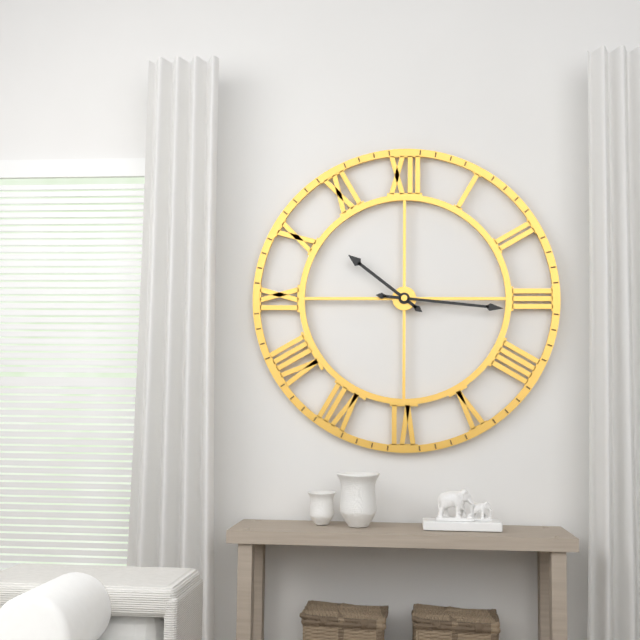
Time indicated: {"hour": 10, "minute": 16}
